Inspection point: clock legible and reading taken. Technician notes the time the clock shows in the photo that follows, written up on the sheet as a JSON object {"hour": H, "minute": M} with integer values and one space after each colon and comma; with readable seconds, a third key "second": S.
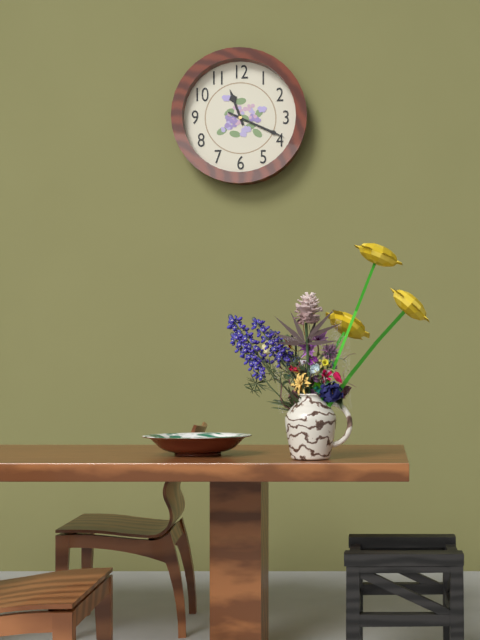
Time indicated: {"hour": 11, "minute": 19}
